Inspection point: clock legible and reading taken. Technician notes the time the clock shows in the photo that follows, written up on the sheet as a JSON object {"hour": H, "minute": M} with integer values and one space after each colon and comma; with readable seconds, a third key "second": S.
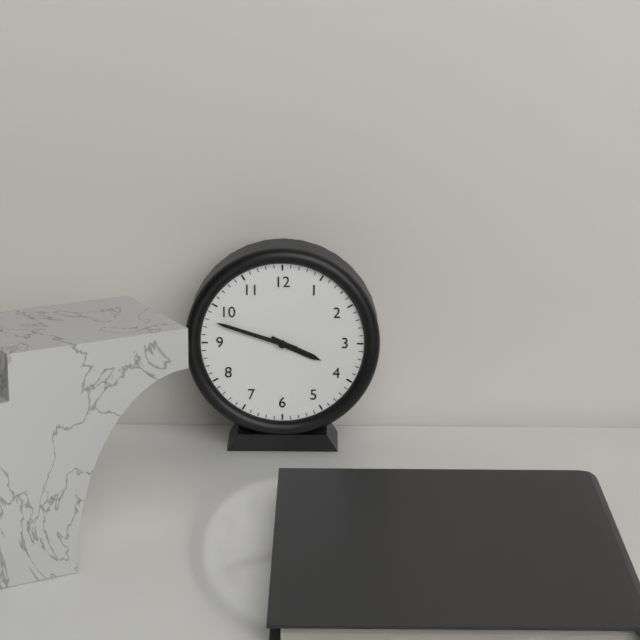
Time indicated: {"hour": 3, "minute": 48}
